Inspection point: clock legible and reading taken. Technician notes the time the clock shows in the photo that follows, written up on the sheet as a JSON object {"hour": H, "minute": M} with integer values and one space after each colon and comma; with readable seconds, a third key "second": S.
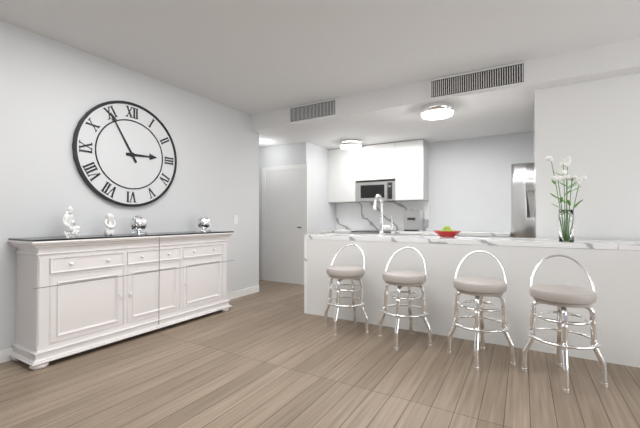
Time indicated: {"hour": 2, "minute": 55}
